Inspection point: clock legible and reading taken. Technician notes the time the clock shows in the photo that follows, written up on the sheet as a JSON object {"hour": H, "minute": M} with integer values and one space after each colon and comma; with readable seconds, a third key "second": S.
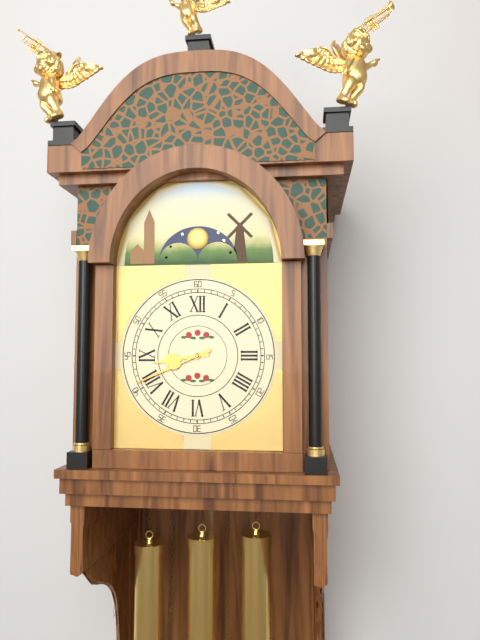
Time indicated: {"hour": 8, "minute": 41}
